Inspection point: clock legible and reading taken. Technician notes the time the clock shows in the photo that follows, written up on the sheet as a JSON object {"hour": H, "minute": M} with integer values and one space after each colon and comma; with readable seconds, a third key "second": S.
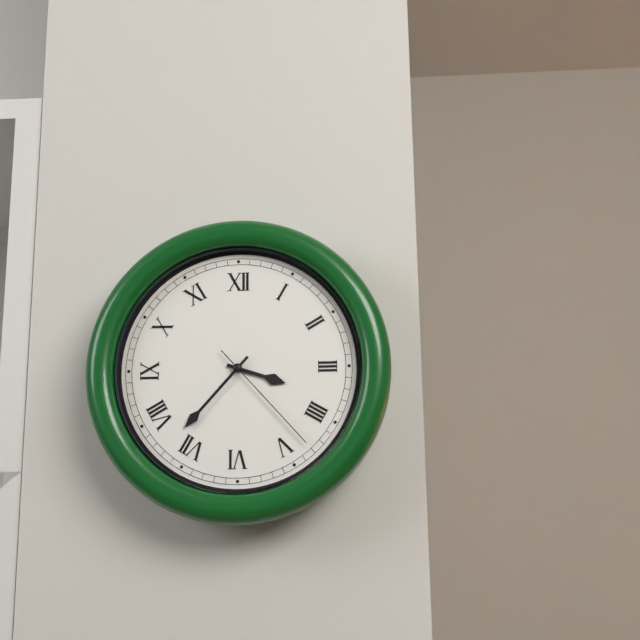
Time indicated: {"hour": 3, "minute": 37, "second": 23}
